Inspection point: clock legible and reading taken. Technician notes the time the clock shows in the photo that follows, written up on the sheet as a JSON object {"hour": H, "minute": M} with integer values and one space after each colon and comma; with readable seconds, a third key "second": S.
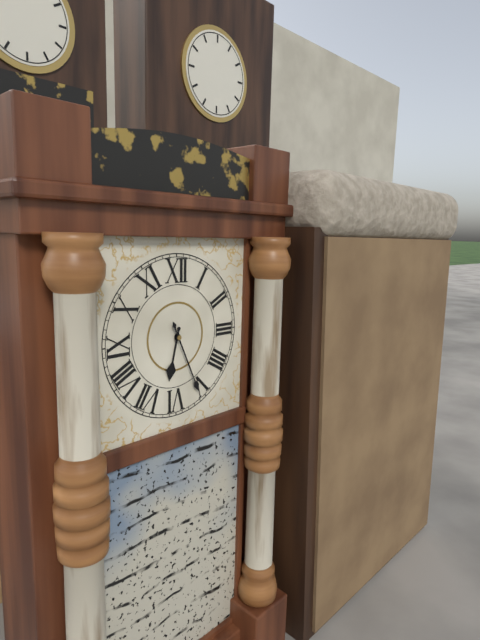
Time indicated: {"hour": 6, "minute": 26}
